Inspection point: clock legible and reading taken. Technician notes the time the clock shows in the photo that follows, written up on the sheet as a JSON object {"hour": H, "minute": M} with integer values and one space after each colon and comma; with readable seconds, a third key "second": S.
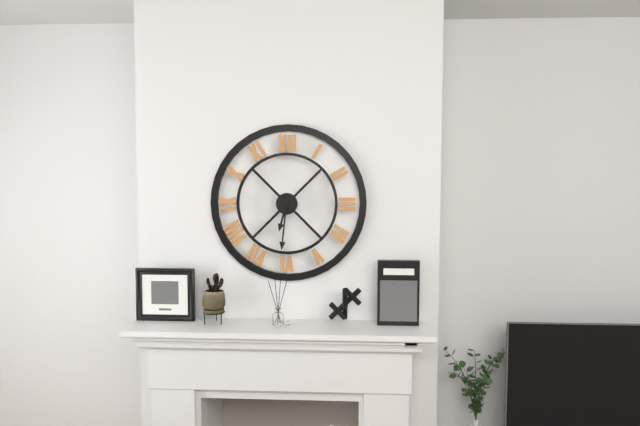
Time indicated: {"hour": 6, "minute": 31}
